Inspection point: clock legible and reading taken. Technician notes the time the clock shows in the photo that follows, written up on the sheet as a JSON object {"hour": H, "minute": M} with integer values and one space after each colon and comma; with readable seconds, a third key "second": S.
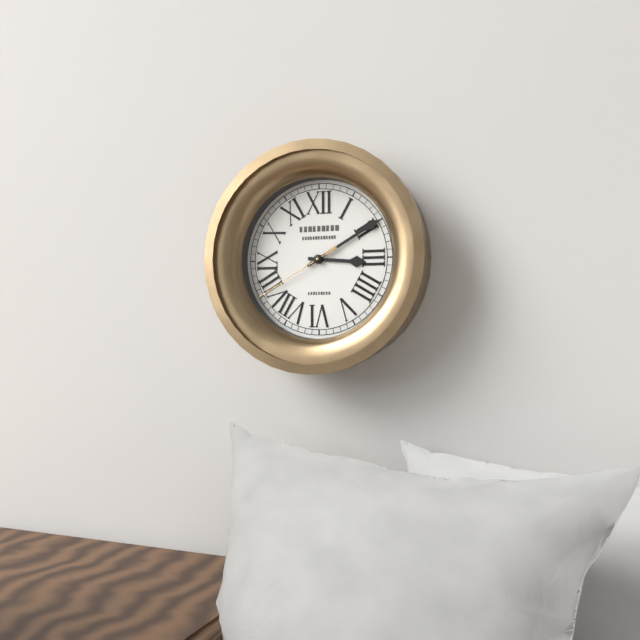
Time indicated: {"hour": 3, "minute": 10, "second": 40}
